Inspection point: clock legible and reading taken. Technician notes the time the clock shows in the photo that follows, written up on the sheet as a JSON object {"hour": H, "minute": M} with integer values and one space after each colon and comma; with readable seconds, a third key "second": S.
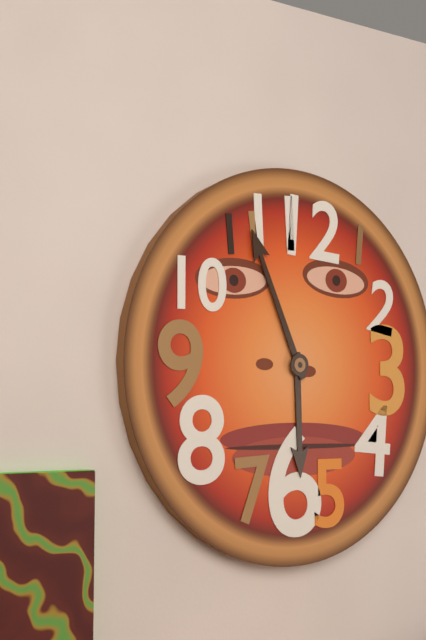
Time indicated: {"hour": 5, "minute": 56}
